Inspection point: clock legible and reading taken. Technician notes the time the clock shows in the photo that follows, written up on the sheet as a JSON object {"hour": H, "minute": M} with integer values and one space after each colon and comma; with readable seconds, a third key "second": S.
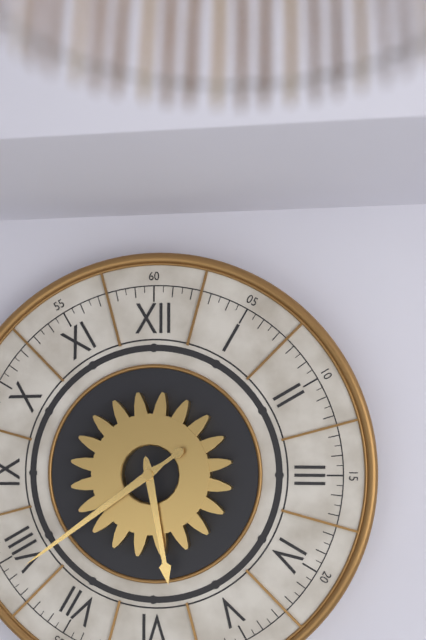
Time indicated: {"hour": 5, "minute": 39}
